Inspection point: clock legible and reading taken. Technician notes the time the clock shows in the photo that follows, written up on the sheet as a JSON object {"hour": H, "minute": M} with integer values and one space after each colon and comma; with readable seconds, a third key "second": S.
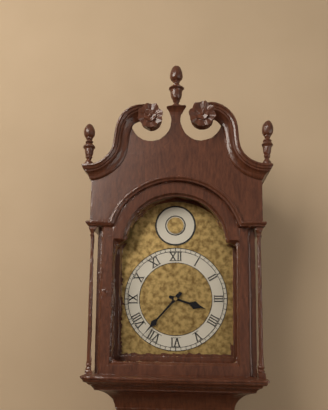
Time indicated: {"hour": 3, "minute": 37}
